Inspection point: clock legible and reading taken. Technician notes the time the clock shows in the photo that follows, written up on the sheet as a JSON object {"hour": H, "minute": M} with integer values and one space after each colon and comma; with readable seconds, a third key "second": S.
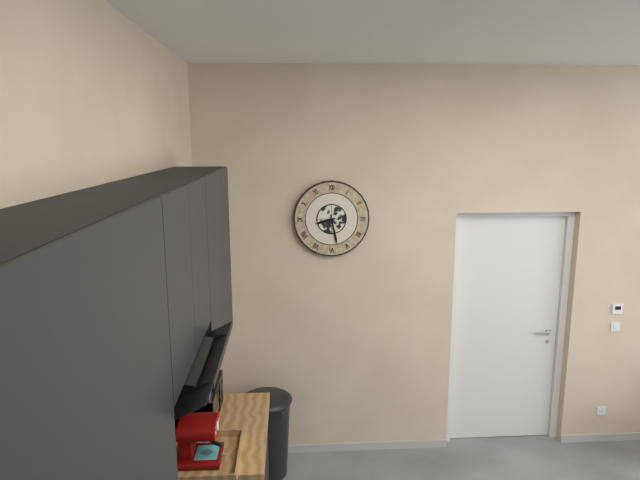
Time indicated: {"hour": 8, "minute": 28}
